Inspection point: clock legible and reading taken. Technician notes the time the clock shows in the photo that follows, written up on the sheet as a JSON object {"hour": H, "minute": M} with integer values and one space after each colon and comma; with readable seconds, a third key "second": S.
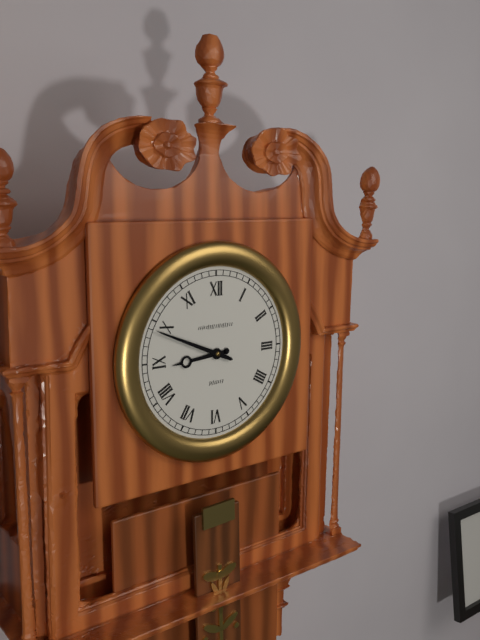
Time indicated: {"hour": 8, "minute": 49}
